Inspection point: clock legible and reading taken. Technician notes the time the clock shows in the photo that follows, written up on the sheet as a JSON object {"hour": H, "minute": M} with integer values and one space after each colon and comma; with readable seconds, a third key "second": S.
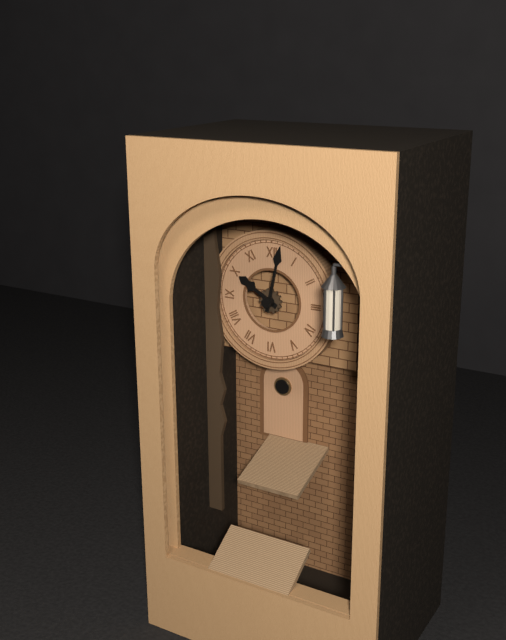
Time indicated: {"hour": 10, "minute": 2}
